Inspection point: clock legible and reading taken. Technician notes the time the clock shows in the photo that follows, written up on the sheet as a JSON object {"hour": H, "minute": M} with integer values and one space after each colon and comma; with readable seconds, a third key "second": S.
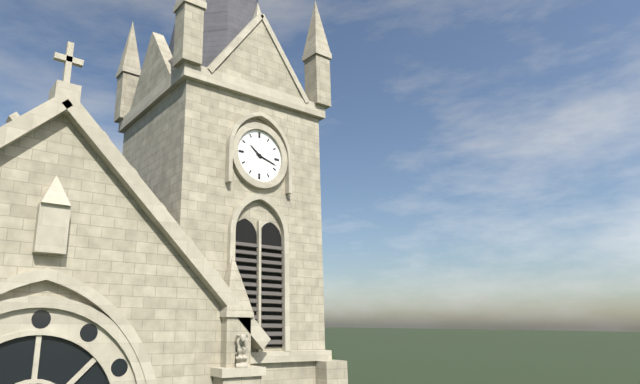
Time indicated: {"hour": 10, "minute": 18}
